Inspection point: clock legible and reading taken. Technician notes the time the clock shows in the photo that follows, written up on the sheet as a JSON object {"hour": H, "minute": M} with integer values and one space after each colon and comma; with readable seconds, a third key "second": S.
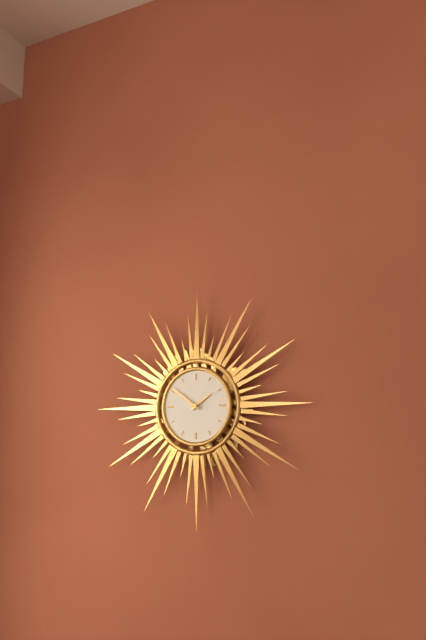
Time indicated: {"hour": 1, "minute": 51}
